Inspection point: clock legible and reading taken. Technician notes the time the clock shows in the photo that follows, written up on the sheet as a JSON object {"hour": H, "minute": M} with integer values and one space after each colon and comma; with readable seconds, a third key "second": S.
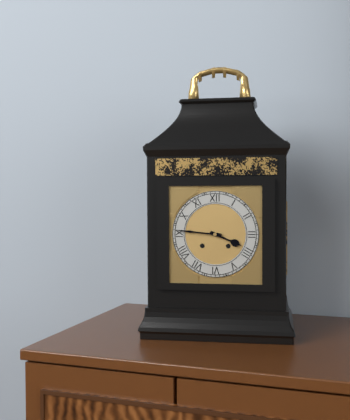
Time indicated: {"hour": 3, "minute": 46}
